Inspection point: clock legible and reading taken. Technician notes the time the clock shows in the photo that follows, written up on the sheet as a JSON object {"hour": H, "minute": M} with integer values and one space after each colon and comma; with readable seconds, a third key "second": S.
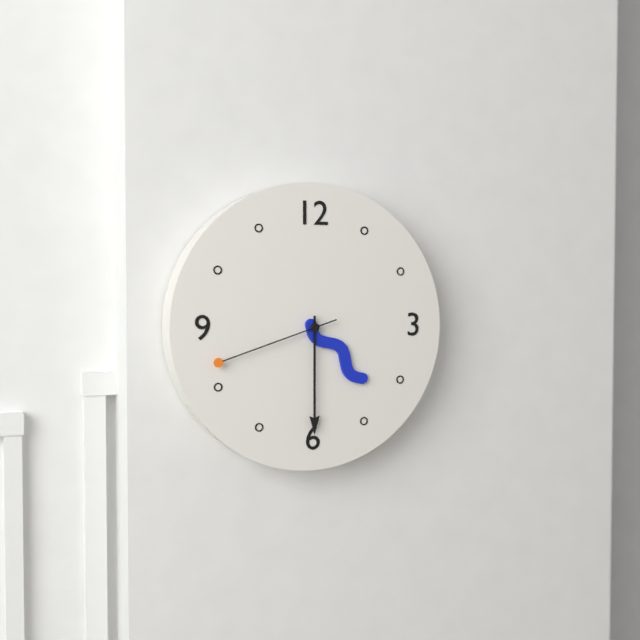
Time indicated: {"hour": 4, "minute": 30, "second": 42}
